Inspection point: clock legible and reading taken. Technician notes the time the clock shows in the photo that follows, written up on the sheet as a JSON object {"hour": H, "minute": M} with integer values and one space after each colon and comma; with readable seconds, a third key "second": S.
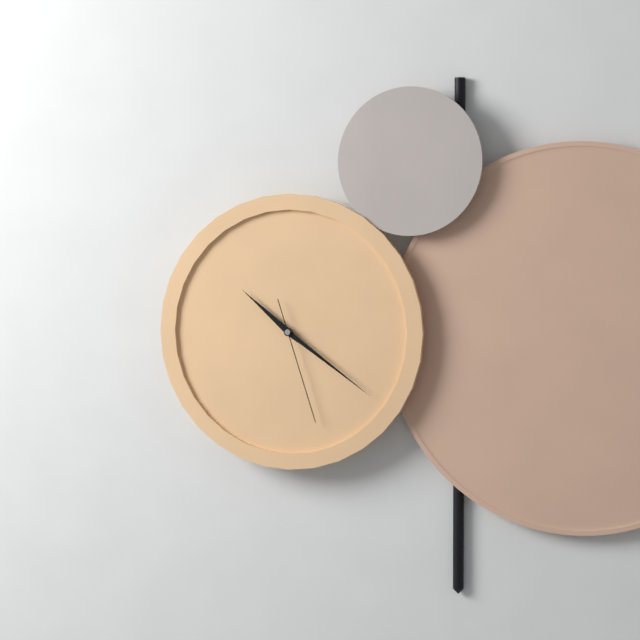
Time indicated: {"hour": 10, "minute": 21, "second": 27}
